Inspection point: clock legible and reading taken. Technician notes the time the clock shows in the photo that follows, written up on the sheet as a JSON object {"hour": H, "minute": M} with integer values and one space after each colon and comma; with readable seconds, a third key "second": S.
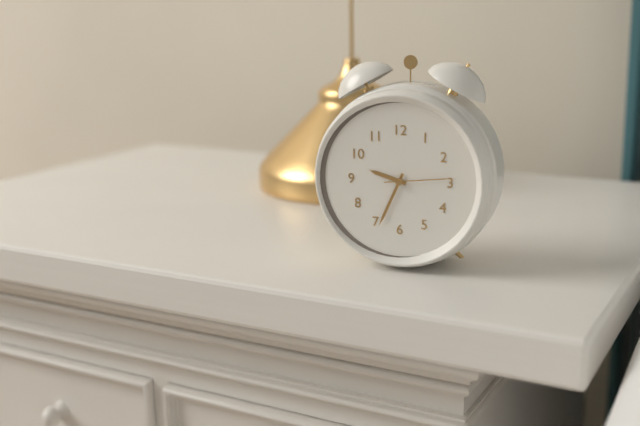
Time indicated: {"hour": 9, "minute": 34, "second": 14}
